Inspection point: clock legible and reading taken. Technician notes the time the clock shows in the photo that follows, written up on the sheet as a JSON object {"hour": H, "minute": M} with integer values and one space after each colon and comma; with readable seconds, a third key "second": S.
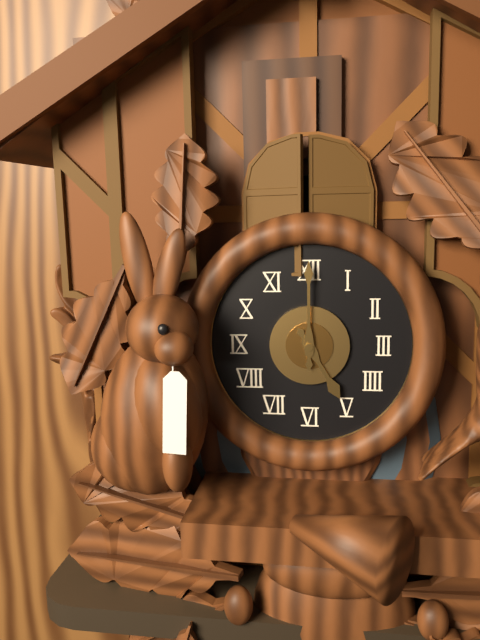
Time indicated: {"hour": 5, "minute": 0}
